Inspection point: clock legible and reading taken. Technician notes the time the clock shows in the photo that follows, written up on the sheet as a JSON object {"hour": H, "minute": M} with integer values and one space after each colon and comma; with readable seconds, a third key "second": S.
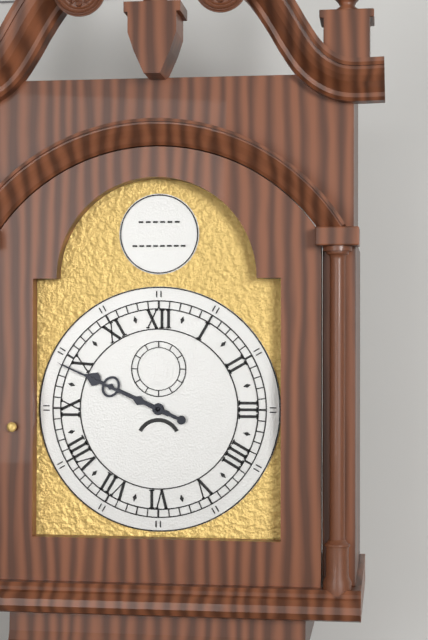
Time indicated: {"hour": 9, "minute": 49}
